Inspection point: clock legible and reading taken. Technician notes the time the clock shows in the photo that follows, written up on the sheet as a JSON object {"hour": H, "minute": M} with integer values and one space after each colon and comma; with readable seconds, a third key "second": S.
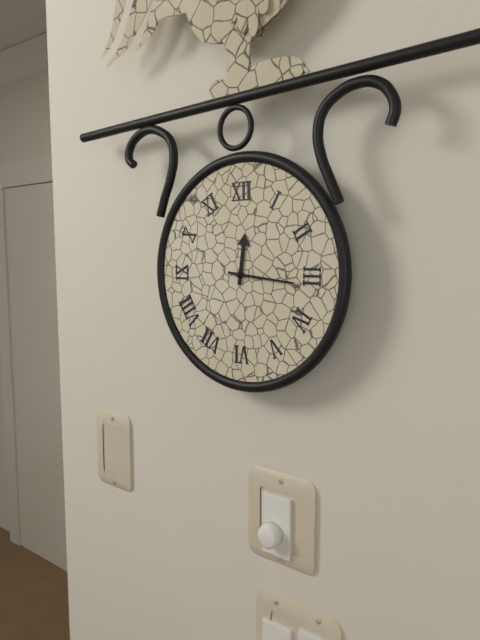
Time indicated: {"hour": 12, "minute": 16}
